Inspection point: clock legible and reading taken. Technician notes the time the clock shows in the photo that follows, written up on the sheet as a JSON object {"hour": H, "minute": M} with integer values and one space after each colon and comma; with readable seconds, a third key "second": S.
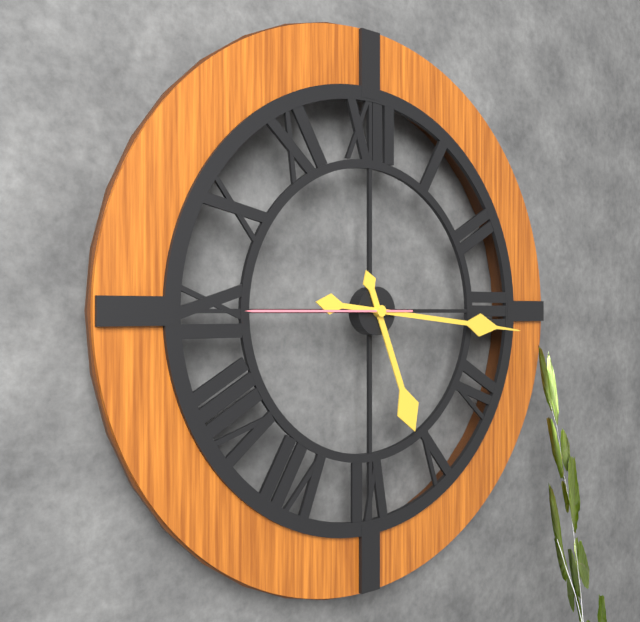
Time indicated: {"hour": 5, "minute": 16, "second": 45}
